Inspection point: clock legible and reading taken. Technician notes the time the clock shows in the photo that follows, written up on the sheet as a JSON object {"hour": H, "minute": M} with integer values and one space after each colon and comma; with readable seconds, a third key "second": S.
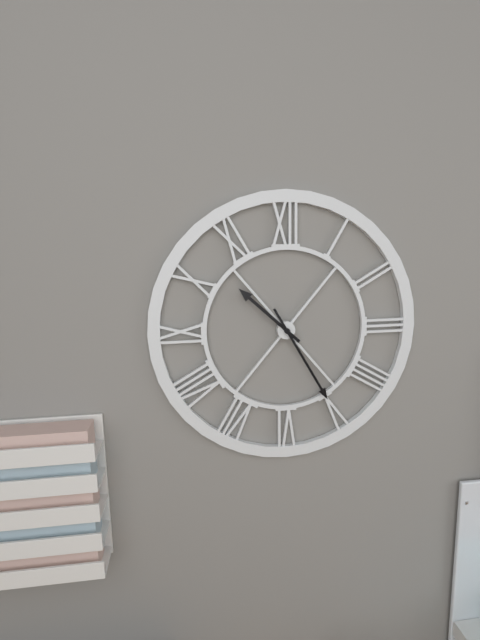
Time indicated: {"hour": 10, "minute": 25}
